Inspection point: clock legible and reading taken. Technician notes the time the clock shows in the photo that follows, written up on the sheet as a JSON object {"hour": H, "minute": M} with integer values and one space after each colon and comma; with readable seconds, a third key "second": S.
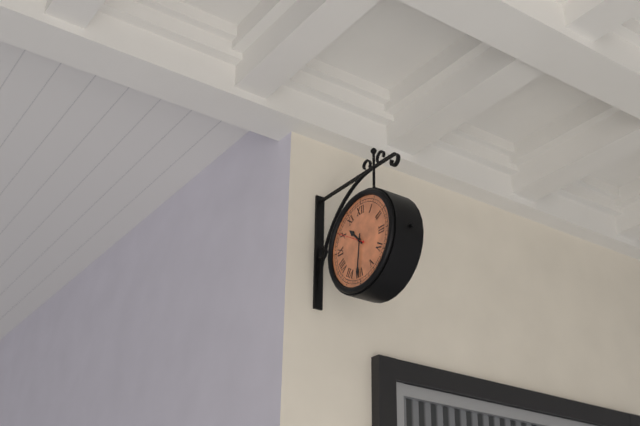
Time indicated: {"hour": 10, "minute": 31}
